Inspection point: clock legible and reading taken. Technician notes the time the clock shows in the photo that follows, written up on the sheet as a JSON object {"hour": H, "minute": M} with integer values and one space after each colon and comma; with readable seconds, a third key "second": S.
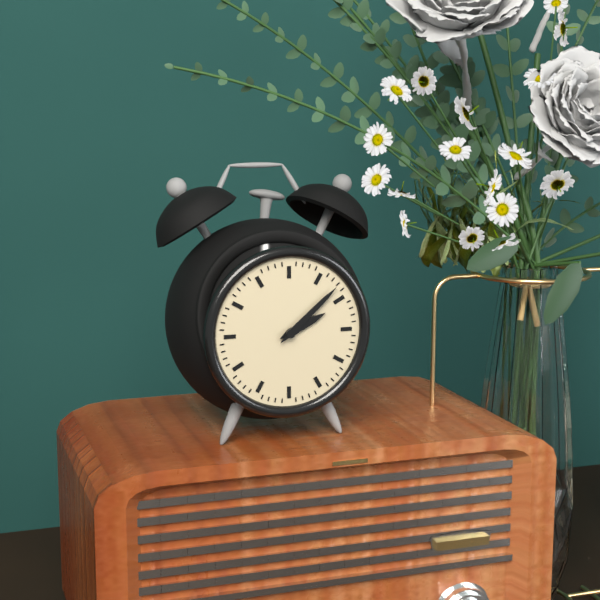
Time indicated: {"hour": 2, "minute": 8}
